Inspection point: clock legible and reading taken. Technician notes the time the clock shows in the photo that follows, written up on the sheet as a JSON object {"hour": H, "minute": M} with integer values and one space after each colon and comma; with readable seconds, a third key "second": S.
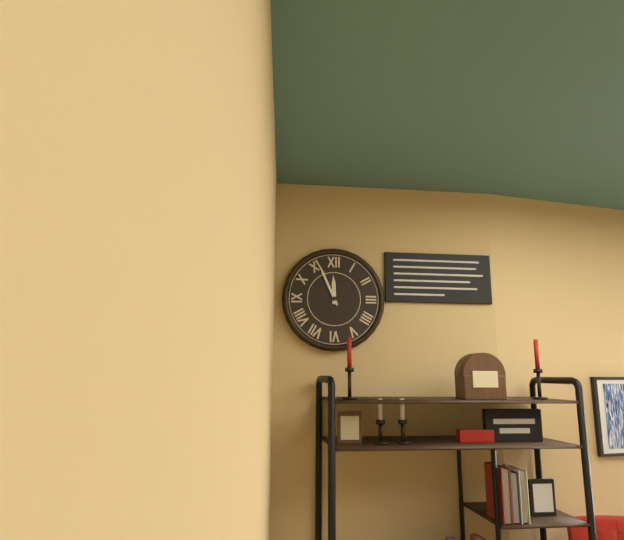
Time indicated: {"hour": 11, "minute": 56}
